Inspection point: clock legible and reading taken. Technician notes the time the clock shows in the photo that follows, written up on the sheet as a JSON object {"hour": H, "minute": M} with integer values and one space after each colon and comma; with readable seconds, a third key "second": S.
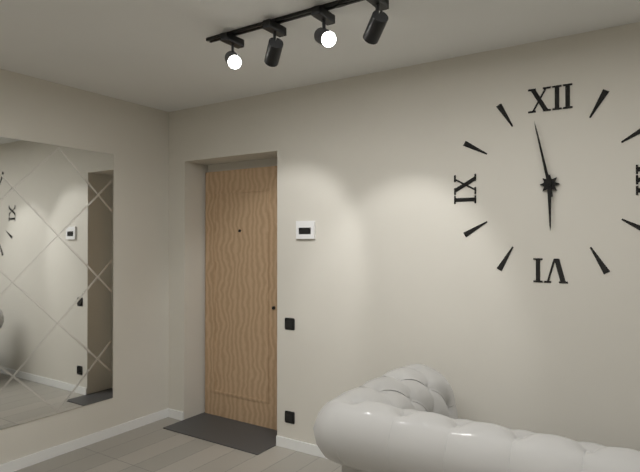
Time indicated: {"hour": 5, "minute": 58}
